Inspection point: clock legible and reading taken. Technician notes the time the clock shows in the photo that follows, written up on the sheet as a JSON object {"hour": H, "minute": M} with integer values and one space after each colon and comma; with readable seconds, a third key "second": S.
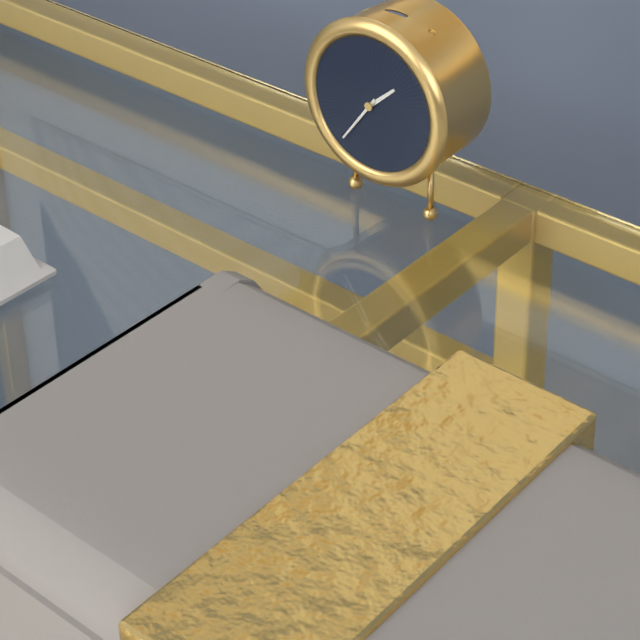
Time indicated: {"hour": 1, "minute": 36}
